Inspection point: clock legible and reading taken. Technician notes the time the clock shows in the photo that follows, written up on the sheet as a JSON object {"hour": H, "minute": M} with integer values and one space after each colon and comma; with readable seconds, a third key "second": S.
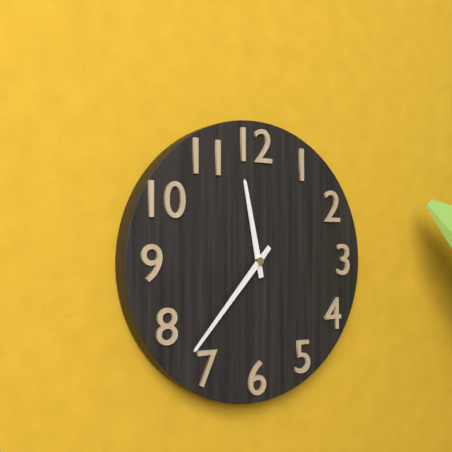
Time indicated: {"hour": 11, "minute": 37}
